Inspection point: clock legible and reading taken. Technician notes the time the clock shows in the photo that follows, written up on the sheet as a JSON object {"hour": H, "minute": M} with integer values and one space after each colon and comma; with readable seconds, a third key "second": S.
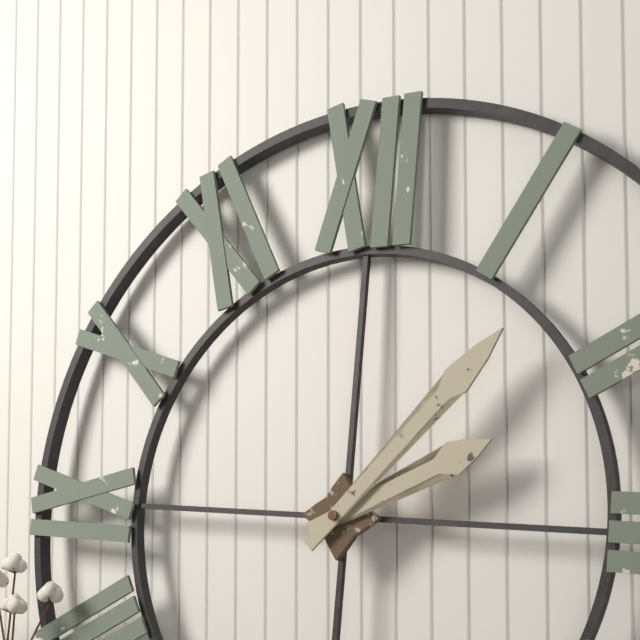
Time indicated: {"hour": 2, "minute": 7}
